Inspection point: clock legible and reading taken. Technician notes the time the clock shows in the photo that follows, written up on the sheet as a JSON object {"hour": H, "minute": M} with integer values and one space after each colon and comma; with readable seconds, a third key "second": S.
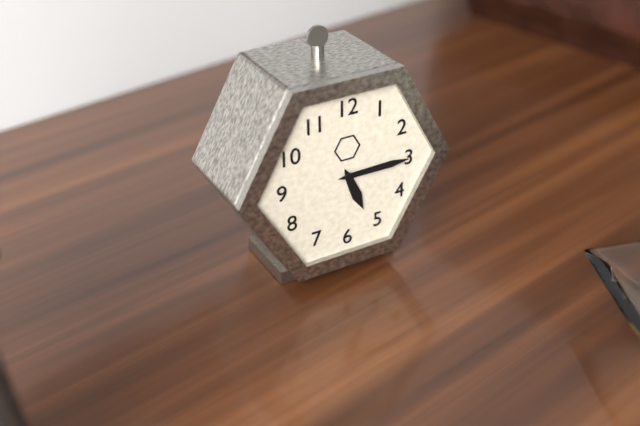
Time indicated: {"hour": 5, "minute": 15}
